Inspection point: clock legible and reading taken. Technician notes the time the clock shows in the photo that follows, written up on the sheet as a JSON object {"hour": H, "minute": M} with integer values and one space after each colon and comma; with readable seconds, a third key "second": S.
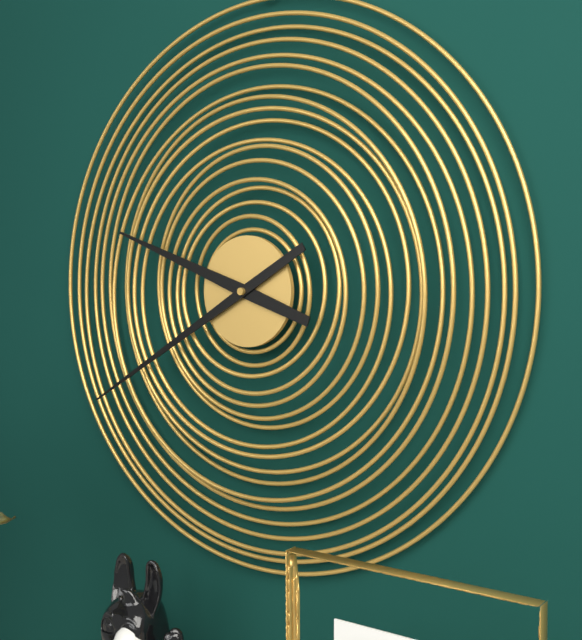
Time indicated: {"hour": 9, "minute": 40}
